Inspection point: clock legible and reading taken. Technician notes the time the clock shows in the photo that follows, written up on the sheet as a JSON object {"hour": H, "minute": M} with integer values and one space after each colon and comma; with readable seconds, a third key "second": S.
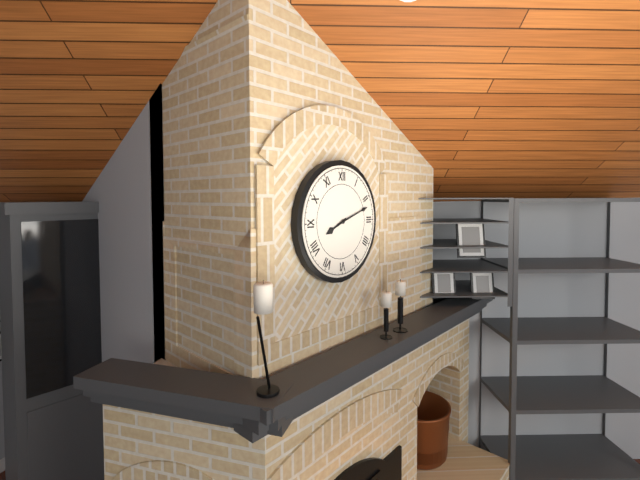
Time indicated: {"hour": 8, "minute": 12}
